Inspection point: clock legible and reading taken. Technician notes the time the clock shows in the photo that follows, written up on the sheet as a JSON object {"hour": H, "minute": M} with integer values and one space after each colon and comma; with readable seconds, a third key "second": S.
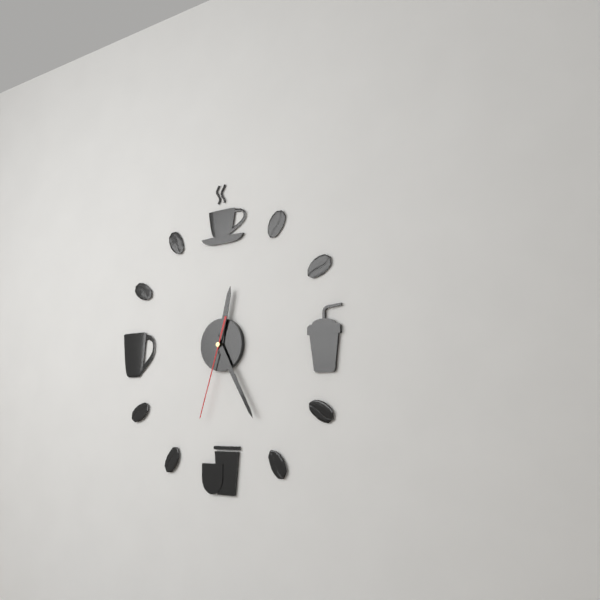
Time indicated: {"hour": 12, "minute": 25, "second": 33}
